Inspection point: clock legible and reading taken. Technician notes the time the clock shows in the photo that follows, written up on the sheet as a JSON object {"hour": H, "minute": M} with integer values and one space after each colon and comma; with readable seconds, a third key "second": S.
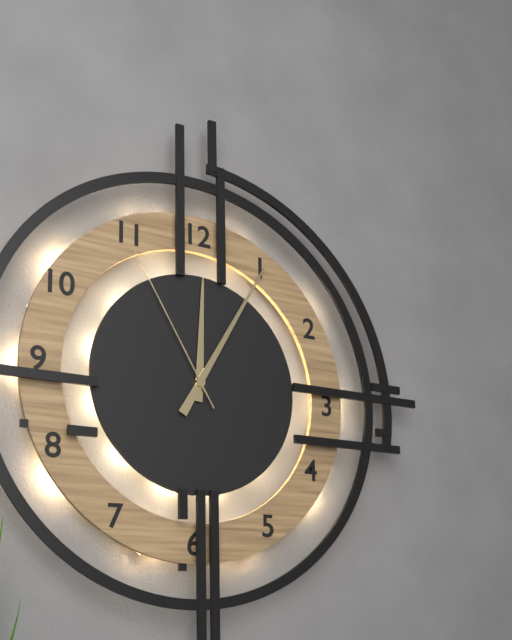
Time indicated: {"hour": 12, "minute": 5, "second": 55}
